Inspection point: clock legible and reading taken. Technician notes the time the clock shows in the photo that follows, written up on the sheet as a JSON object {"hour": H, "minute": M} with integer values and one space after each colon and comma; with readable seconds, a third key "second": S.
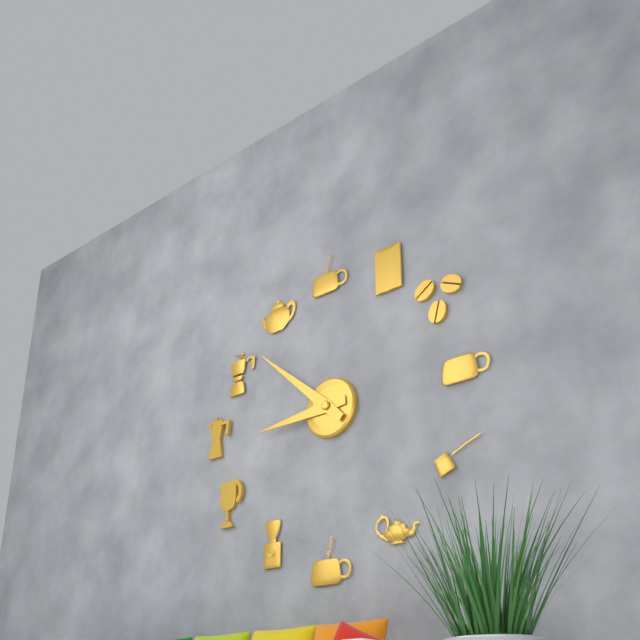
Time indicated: {"hour": 8, "minute": 52}
